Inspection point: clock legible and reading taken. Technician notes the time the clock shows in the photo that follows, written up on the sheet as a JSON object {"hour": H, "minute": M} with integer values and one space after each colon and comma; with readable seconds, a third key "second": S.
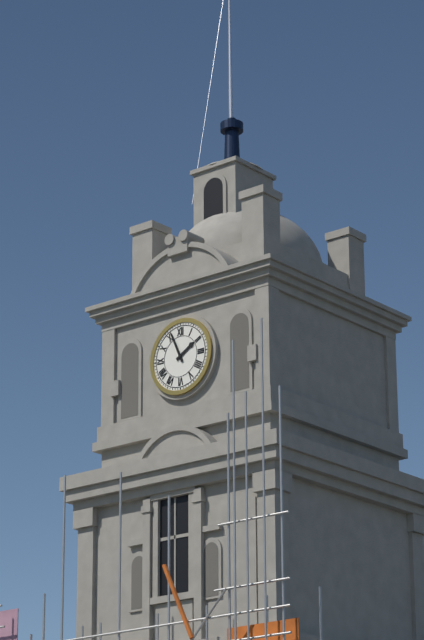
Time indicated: {"hour": 1, "minute": 56}
